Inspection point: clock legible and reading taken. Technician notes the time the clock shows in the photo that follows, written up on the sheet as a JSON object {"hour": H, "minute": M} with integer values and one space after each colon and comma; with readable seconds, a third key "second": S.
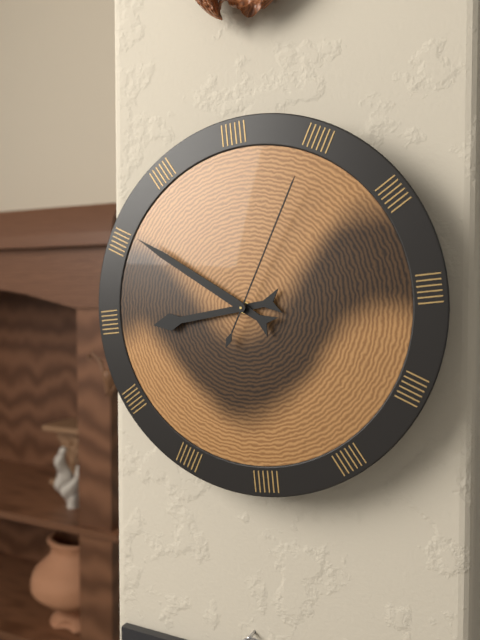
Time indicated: {"hour": 8, "minute": 51, "second": 5}
